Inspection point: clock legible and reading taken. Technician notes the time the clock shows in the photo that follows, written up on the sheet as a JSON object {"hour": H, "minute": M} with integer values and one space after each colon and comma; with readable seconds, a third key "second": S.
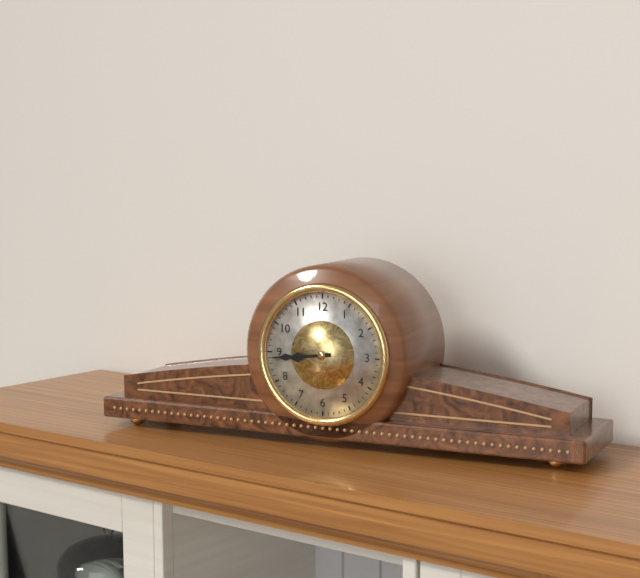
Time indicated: {"hour": 8, "minute": 44}
